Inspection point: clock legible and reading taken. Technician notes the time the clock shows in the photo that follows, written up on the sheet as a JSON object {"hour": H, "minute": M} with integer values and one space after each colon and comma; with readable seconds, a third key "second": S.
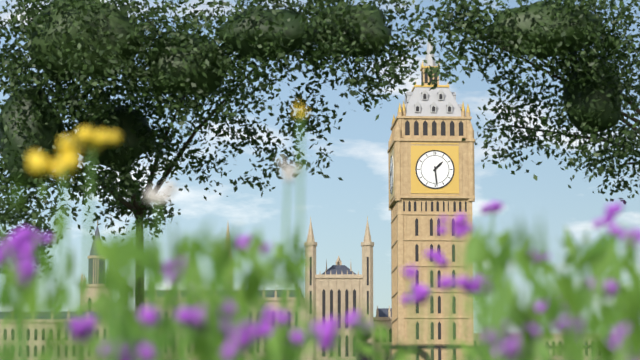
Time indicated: {"hour": 1, "minute": 29}
